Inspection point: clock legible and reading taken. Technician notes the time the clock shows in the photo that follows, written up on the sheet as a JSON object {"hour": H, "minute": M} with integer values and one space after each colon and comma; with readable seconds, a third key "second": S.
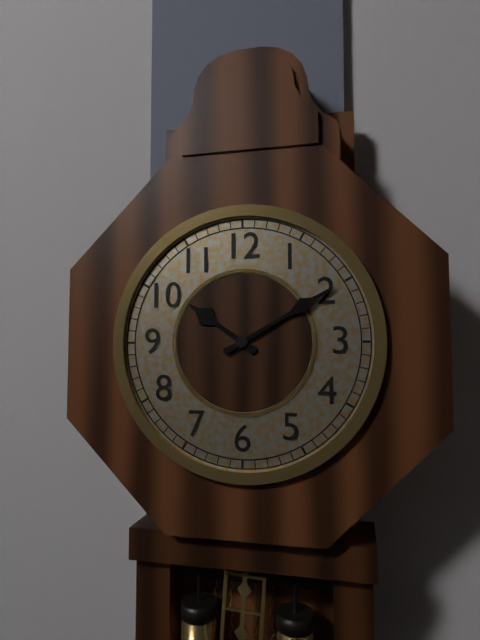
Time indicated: {"hour": 10, "minute": 10}
